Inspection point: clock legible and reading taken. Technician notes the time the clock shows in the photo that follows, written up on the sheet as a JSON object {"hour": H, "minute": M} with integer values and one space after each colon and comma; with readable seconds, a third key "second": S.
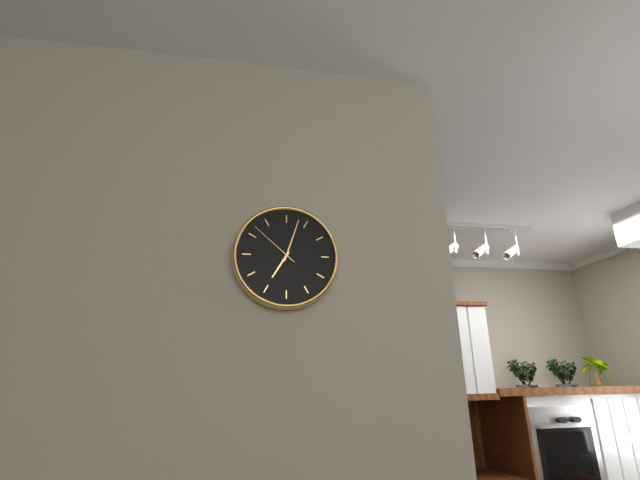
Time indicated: {"hour": 7, "minute": 3, "second": 52}
